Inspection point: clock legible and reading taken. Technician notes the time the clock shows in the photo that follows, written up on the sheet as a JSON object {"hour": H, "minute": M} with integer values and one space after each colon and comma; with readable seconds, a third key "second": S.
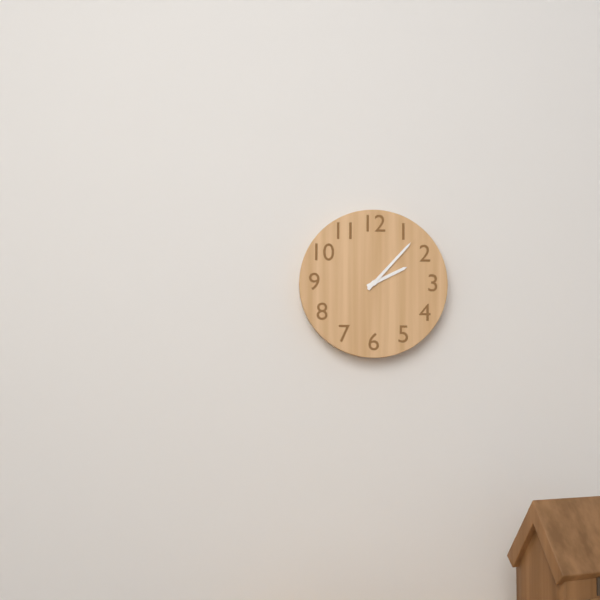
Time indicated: {"hour": 2, "minute": 7}
